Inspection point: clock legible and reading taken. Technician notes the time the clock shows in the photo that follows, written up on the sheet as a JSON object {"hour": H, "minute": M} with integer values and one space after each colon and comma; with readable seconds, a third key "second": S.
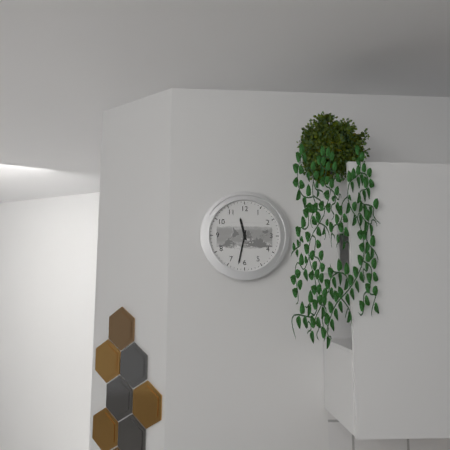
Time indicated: {"hour": 11, "minute": 32}
